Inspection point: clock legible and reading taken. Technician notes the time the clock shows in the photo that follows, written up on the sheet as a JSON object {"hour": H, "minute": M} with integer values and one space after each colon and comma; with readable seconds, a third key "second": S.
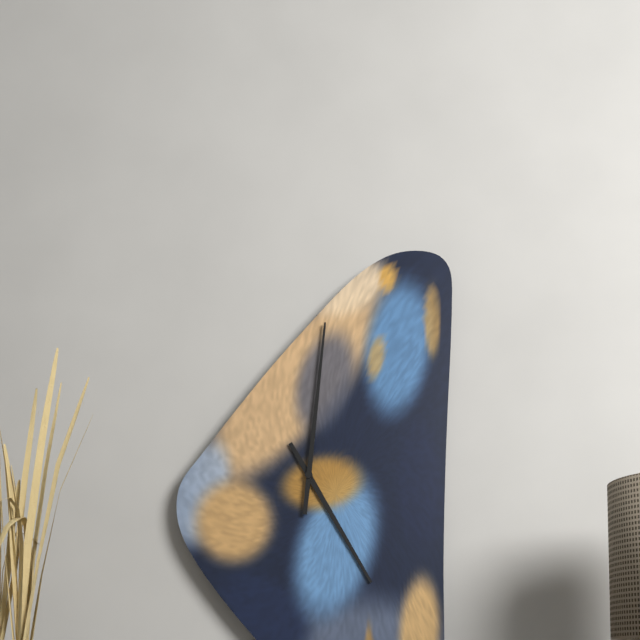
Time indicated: {"hour": 5, "minute": 1}
